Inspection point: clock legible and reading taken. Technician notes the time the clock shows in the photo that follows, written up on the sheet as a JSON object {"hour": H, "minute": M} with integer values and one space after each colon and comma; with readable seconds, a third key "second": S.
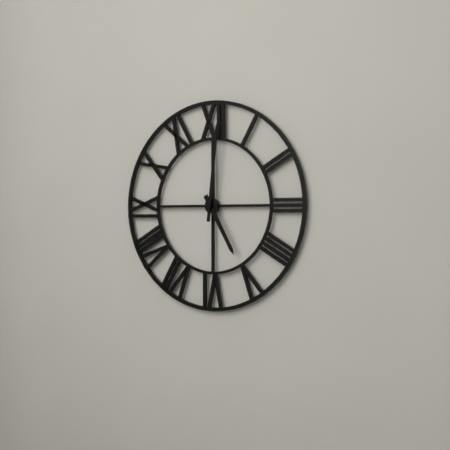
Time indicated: {"hour": 5, "minute": 1}
